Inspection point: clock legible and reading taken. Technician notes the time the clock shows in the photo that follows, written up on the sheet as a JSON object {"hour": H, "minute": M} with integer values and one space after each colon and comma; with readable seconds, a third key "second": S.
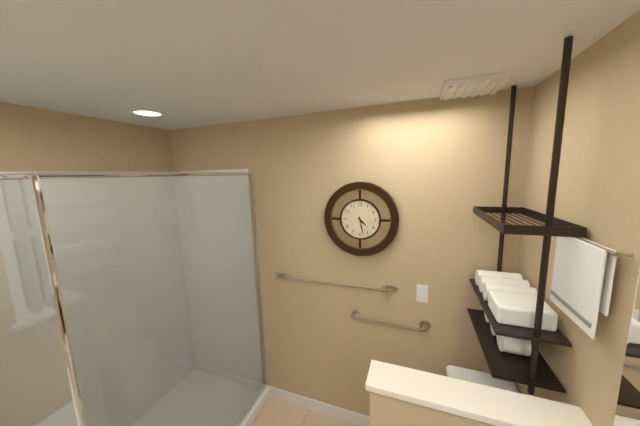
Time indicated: {"hour": 4, "minute": 28}
